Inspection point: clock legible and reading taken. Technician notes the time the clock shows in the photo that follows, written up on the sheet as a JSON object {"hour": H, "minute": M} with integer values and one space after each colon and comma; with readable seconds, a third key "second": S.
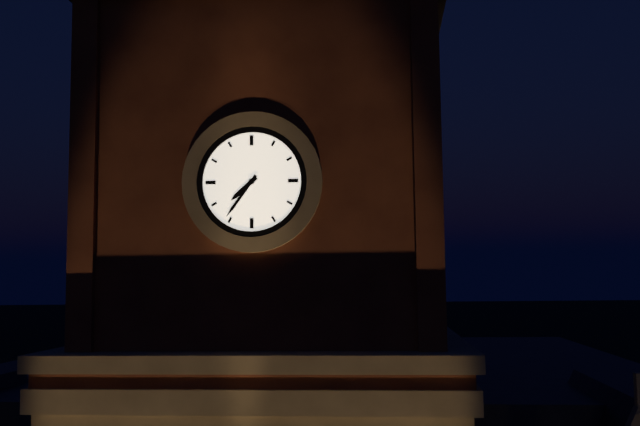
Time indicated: {"hour": 7, "minute": 36}
